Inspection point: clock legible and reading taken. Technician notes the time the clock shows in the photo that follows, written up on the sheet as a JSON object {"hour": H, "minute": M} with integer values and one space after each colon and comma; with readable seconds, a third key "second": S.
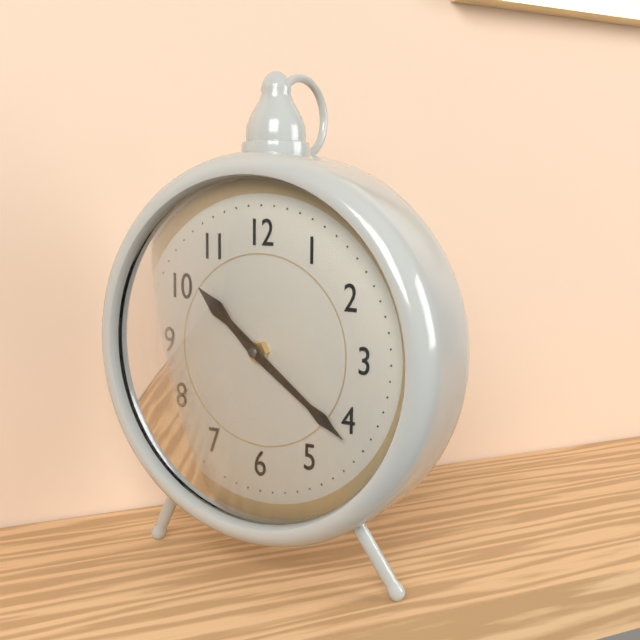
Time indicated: {"hour": 10, "minute": 21}
